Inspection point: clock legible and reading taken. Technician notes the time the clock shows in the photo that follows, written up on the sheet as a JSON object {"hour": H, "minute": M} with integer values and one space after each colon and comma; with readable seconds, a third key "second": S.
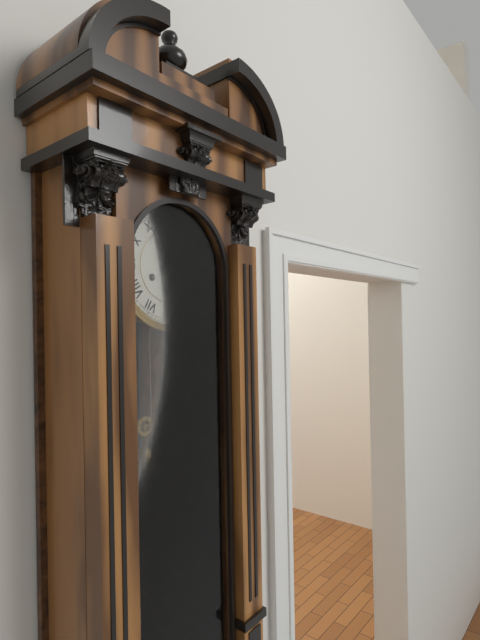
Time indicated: {"hour": 3, "minute": 13}
